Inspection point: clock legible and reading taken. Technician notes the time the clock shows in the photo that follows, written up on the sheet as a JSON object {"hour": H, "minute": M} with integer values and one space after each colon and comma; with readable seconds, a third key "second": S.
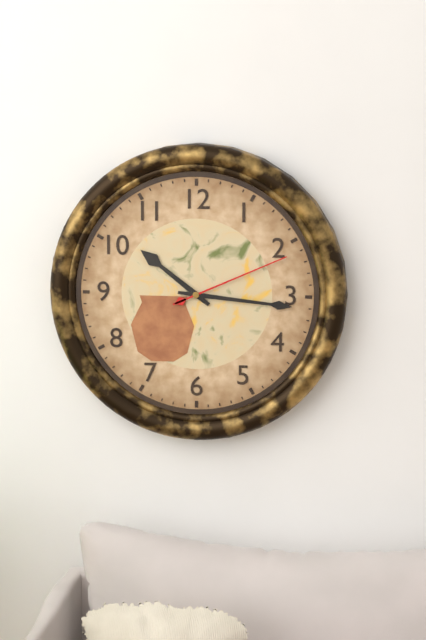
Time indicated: {"hour": 10, "minute": 16, "second": 11}
